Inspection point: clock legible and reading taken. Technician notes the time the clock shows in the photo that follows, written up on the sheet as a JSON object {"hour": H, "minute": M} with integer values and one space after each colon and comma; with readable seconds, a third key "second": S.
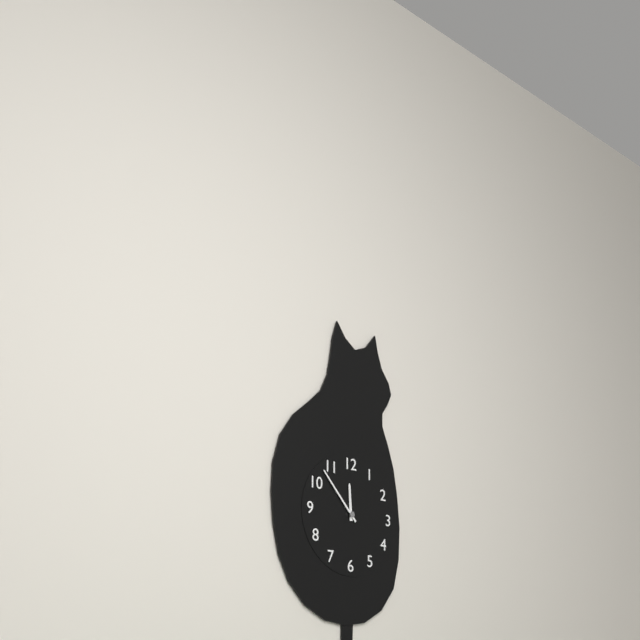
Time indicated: {"hour": 11, "minute": 53}
